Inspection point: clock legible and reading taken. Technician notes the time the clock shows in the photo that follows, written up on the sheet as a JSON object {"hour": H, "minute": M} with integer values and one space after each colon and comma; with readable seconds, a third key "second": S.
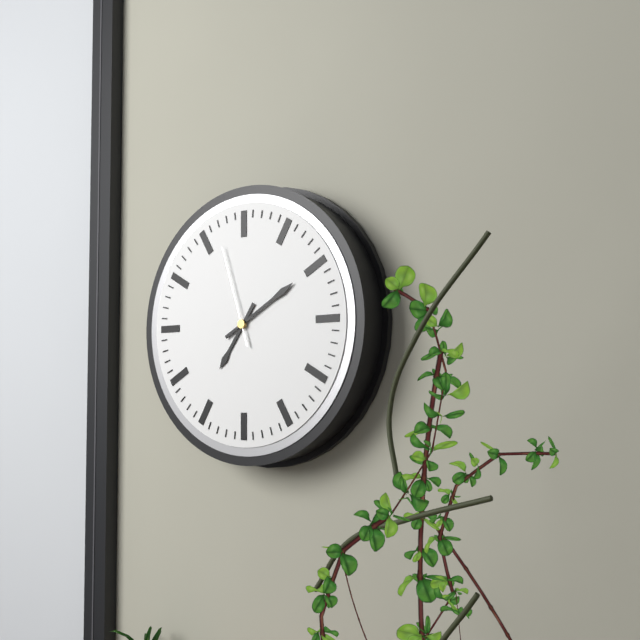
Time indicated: {"hour": 7, "minute": 10, "second": 57}
